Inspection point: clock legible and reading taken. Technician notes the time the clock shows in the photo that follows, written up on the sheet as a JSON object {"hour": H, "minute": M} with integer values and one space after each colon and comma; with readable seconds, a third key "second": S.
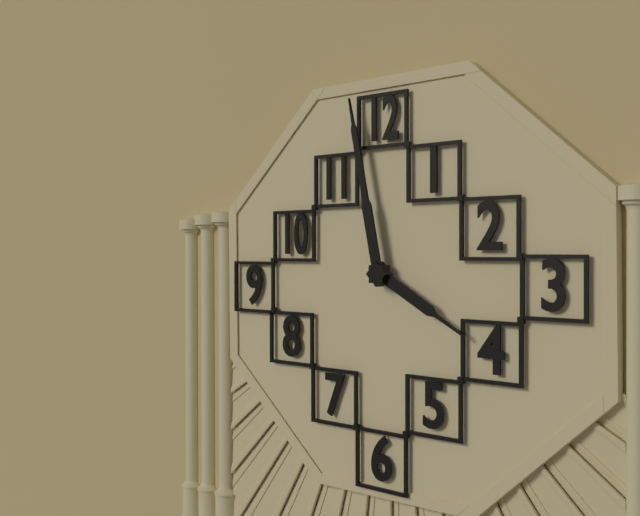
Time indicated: {"hour": 3, "minute": 58}
